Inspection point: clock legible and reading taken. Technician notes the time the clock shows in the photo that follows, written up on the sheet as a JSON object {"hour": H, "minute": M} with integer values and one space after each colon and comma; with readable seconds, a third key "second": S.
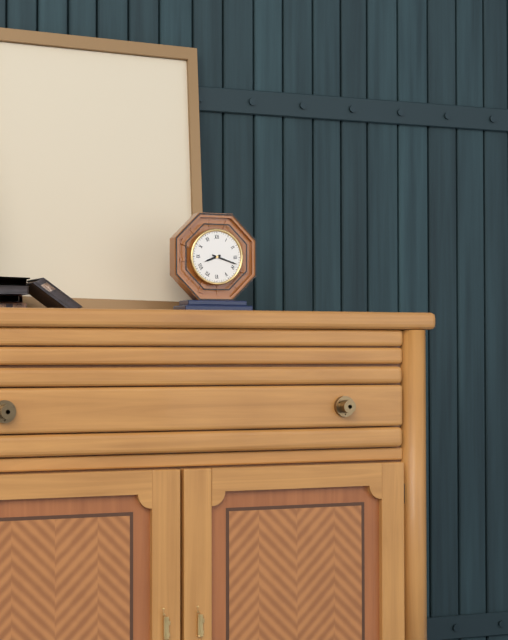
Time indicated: {"hour": 8, "minute": 18}
